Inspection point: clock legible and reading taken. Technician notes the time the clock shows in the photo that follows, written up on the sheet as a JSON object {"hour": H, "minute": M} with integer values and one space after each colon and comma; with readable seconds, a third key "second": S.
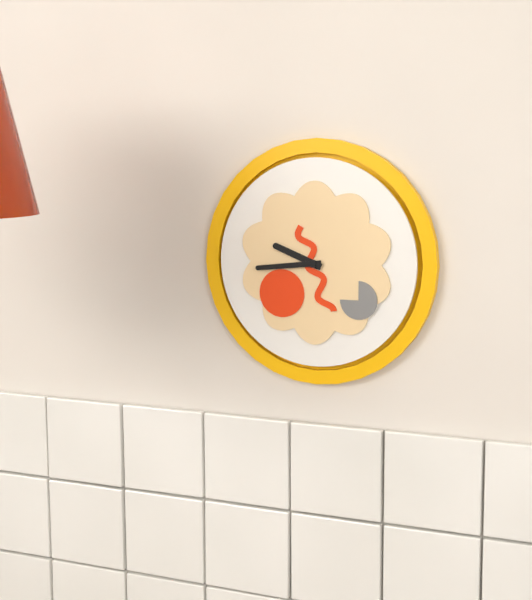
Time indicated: {"hour": 9, "minute": 44}
